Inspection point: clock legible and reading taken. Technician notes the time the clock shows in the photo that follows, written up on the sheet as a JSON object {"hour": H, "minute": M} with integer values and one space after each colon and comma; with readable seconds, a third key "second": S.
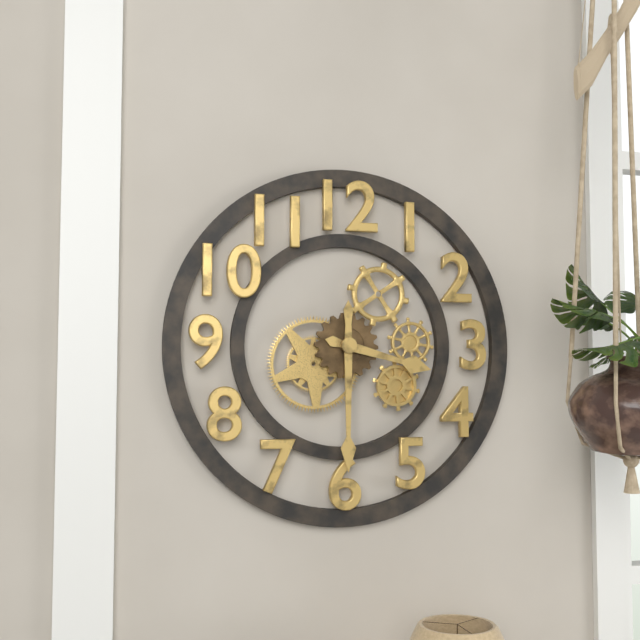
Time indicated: {"hour": 3, "minute": 30}
